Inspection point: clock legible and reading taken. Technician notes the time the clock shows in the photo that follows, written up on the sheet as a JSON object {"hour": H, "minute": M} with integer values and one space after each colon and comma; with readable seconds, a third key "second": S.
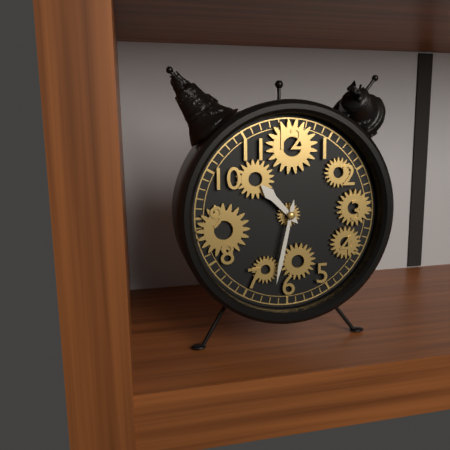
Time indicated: {"hour": 10, "minute": 32}
